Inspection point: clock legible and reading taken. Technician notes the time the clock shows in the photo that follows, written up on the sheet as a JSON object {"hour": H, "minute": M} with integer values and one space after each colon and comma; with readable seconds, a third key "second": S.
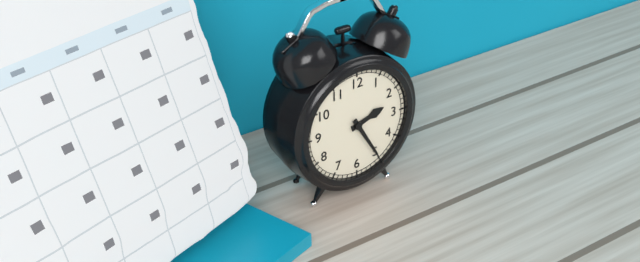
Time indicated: {"hour": 2, "minute": 25}
